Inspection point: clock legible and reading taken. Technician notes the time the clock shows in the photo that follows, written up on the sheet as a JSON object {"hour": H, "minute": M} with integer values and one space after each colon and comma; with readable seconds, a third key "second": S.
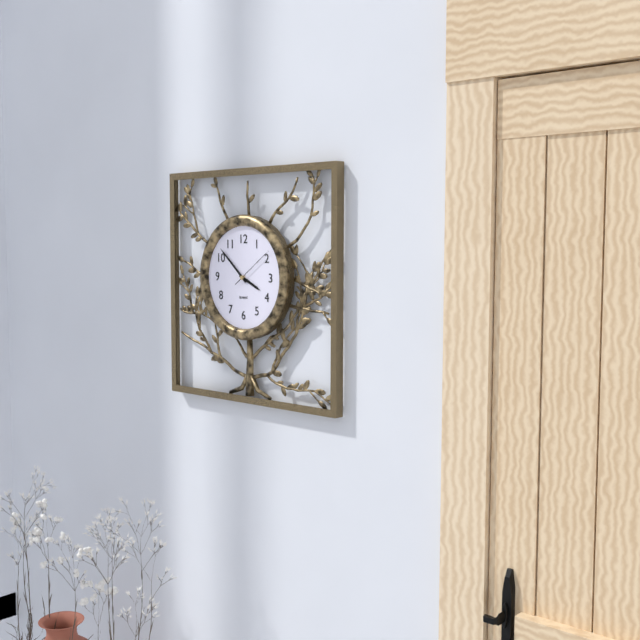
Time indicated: {"hour": 3, "minute": 52}
